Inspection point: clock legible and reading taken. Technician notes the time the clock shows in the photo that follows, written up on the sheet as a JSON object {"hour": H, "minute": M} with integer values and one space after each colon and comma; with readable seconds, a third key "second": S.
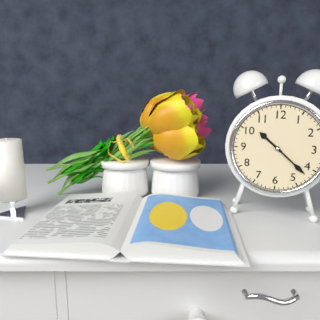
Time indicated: {"hour": 10, "minute": 22}
